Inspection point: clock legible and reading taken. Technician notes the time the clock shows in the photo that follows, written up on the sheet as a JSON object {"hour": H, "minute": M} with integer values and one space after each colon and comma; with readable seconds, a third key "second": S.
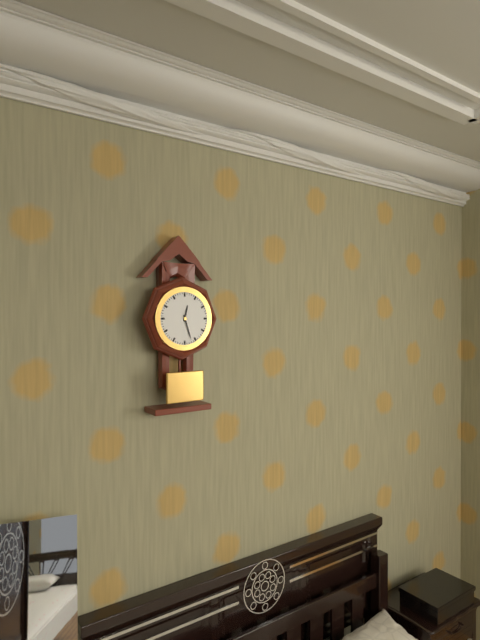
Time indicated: {"hour": 12, "minute": 27}
